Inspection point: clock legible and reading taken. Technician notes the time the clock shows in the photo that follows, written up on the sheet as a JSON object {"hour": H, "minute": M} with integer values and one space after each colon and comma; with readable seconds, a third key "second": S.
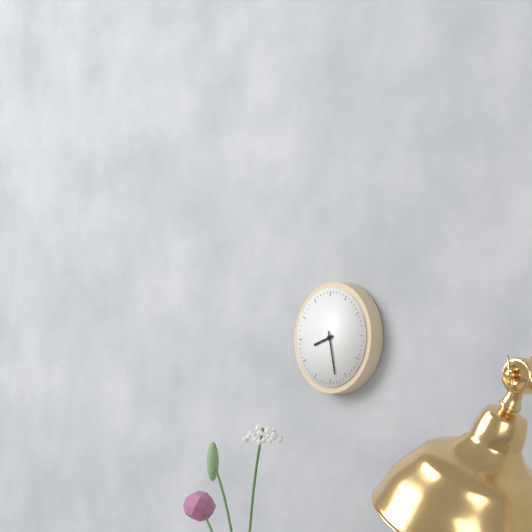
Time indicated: {"hour": 8, "minute": 28}
